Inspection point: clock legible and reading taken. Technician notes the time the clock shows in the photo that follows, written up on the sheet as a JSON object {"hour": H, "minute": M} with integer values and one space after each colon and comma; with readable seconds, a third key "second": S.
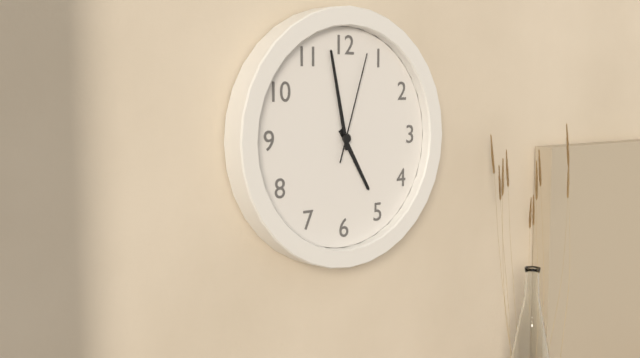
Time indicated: {"hour": 4, "minute": 58, "second": 3}
